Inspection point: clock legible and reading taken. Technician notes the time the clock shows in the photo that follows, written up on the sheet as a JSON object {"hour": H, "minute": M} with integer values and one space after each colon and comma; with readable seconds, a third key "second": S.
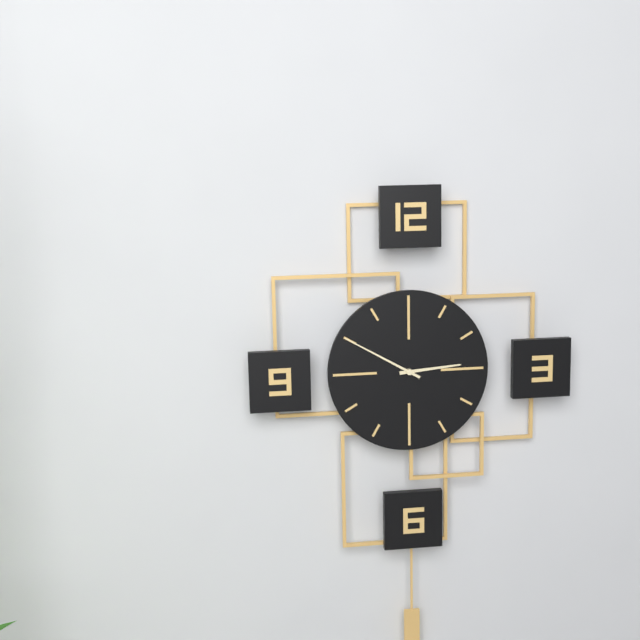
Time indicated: {"hour": 2, "minute": 50}
